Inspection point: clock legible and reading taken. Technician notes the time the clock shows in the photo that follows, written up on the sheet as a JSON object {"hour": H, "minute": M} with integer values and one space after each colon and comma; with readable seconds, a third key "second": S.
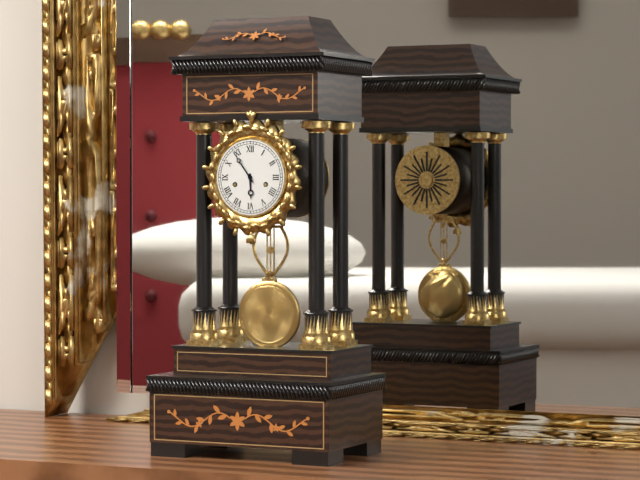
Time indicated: {"hour": 5, "minute": 54}
